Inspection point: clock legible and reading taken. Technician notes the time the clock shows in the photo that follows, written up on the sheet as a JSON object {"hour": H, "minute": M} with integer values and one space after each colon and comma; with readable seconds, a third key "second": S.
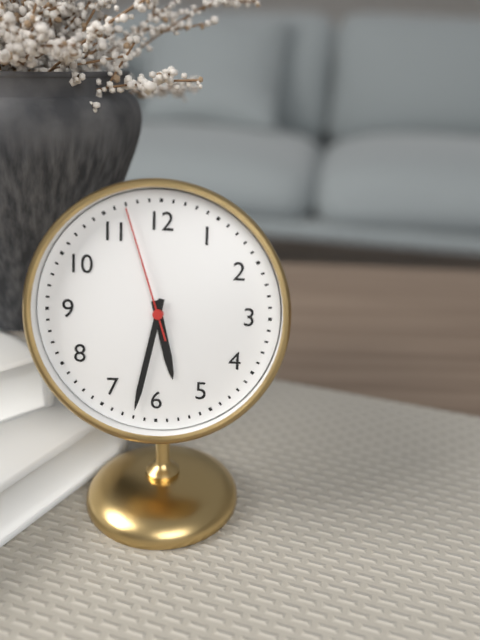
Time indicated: {"hour": 5, "minute": 32, "second": 57}
